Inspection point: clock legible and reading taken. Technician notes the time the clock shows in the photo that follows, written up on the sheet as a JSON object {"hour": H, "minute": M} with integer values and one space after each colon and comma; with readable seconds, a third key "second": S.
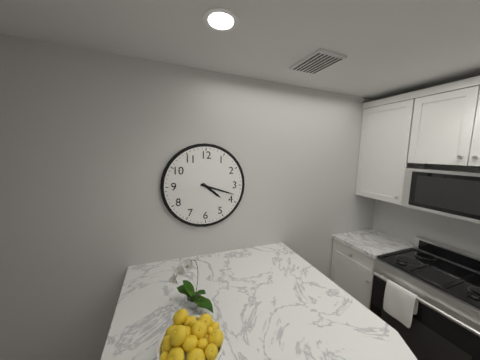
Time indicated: {"hour": 4, "minute": 18}
